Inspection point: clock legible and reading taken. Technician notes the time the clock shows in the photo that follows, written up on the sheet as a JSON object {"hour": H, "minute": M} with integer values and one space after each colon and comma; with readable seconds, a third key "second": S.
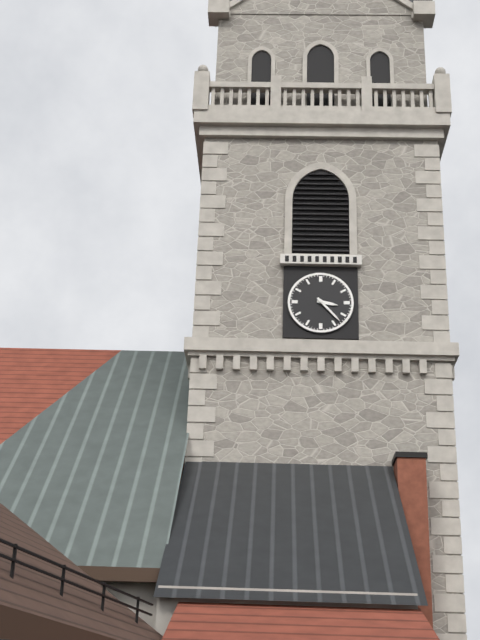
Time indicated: {"hour": 3, "minute": 23}
